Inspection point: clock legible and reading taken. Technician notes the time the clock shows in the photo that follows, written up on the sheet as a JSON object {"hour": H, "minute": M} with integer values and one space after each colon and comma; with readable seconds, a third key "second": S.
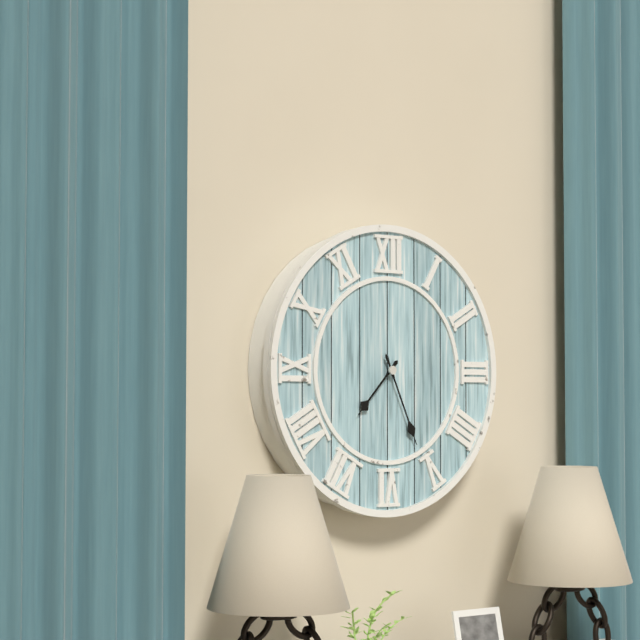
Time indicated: {"hour": 7, "minute": 26}
